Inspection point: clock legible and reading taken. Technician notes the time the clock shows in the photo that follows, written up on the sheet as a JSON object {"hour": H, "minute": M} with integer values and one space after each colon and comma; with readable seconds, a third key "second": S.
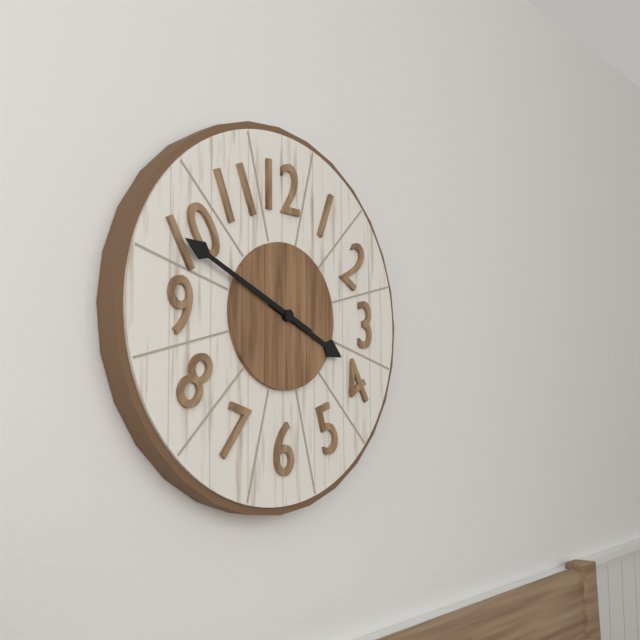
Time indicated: {"hour": 3, "minute": 49}
